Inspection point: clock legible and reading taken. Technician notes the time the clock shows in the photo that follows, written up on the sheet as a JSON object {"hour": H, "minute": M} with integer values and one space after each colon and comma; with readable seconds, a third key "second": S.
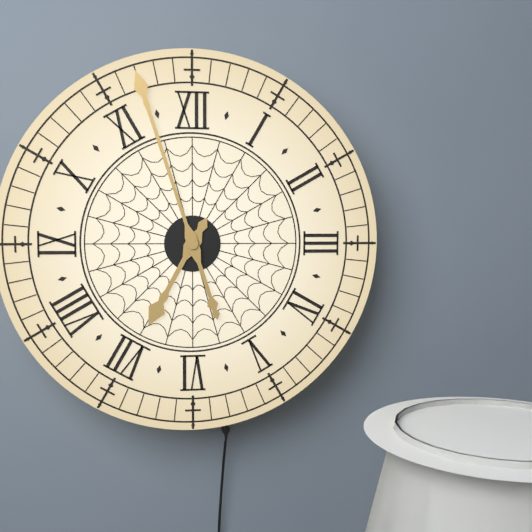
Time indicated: {"hour": 6, "minute": 57}
